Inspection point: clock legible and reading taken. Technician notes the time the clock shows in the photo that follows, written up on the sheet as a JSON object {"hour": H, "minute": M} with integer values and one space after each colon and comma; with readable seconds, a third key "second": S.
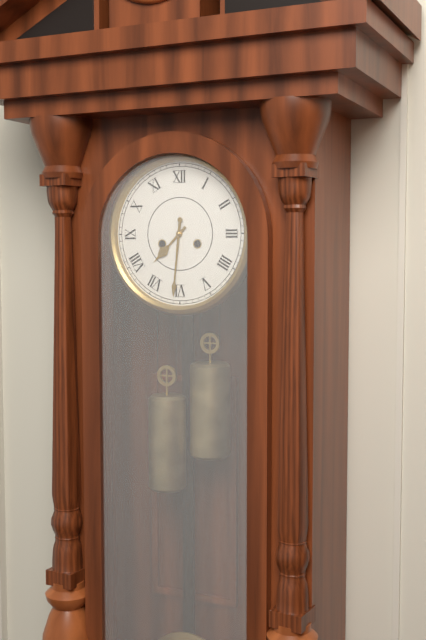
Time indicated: {"hour": 7, "minute": 31}
